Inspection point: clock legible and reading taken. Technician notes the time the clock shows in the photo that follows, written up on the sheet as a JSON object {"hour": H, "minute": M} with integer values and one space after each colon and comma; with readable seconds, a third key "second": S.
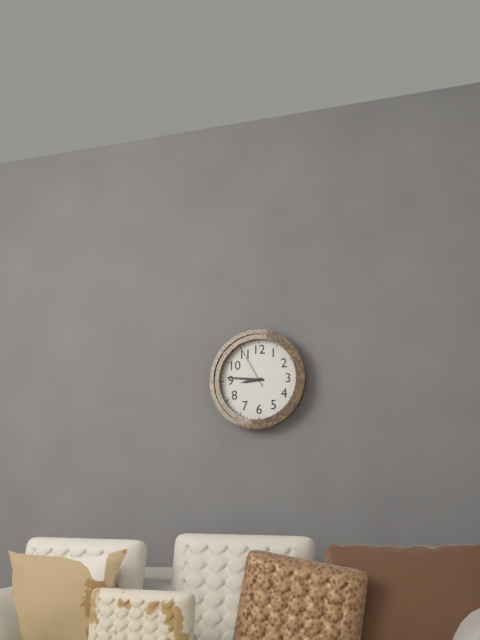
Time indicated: {"hour": 8, "minute": 46}
